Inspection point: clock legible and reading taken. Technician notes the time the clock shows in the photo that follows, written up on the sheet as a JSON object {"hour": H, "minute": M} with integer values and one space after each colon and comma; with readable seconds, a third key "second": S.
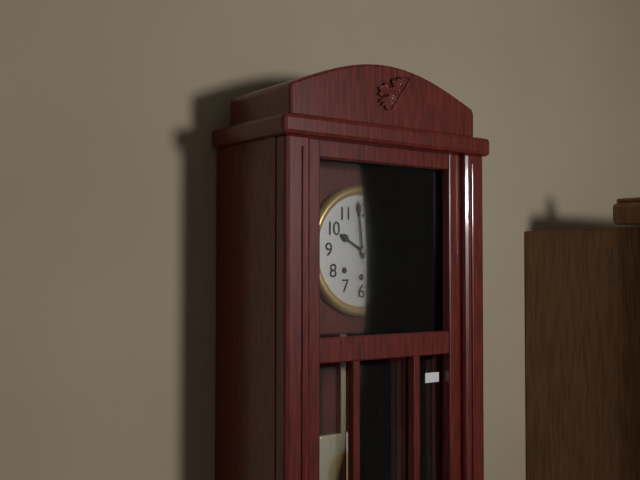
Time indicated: {"hour": 9, "minute": 59}
